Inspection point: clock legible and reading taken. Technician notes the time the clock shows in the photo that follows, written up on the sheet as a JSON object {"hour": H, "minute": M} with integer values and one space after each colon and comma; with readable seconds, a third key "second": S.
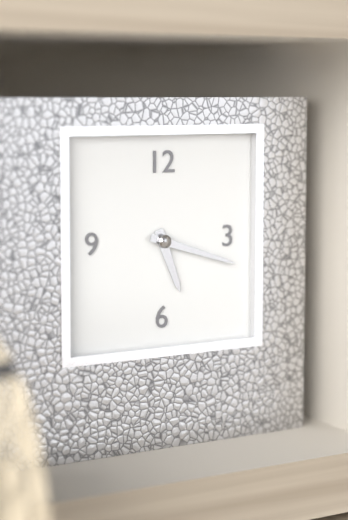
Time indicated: {"hour": 5, "minute": 18}
